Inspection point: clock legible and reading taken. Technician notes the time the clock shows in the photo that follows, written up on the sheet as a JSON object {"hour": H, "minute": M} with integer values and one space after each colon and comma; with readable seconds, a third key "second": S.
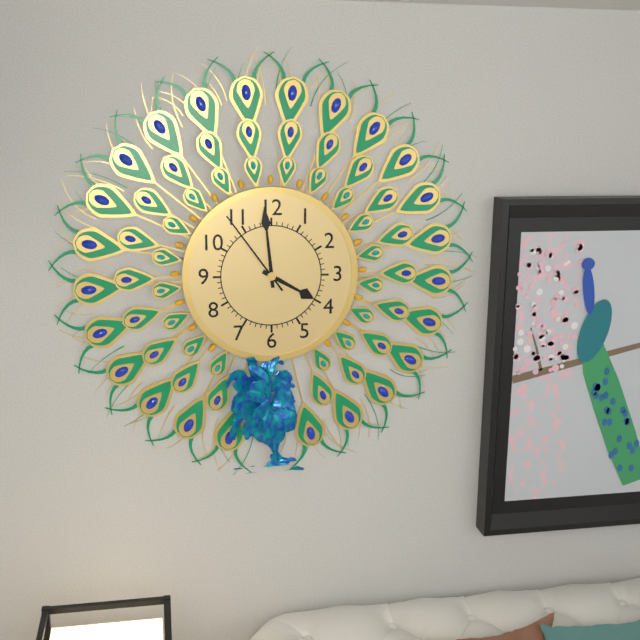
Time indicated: {"hour": 3, "minute": 59, "second": 54}
